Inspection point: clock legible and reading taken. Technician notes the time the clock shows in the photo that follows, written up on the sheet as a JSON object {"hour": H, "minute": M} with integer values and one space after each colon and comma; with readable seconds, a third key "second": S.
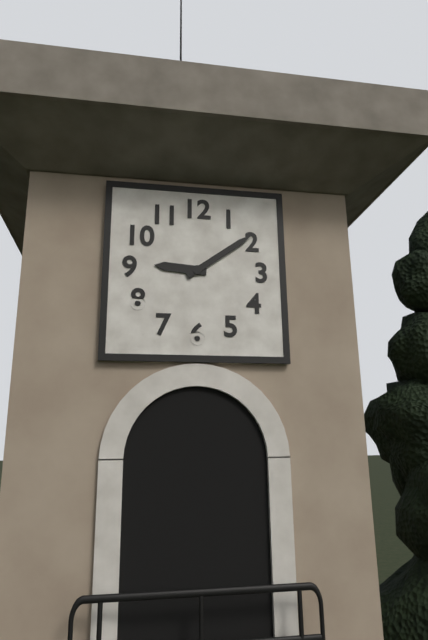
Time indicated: {"hour": 9, "minute": 9}
